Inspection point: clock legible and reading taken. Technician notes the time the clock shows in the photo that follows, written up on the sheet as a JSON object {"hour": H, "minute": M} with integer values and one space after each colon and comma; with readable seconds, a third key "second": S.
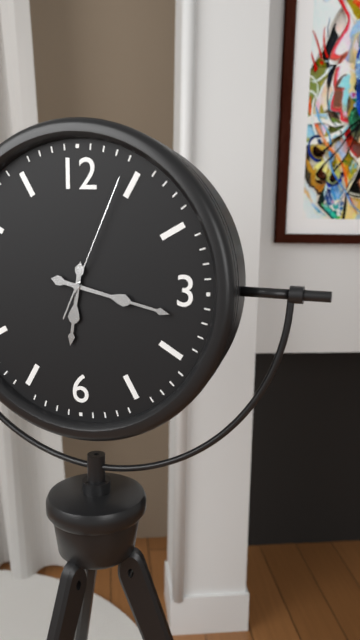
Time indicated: {"hour": 6, "minute": 17, "second": 4}
